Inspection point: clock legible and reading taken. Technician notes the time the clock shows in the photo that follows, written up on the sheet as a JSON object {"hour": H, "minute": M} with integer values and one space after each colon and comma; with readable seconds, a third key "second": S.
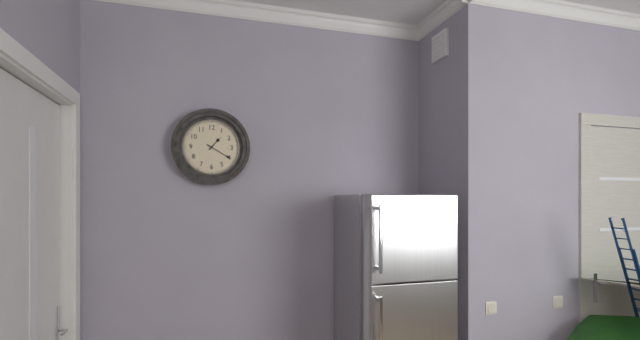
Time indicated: {"hour": 1, "minute": 20}
